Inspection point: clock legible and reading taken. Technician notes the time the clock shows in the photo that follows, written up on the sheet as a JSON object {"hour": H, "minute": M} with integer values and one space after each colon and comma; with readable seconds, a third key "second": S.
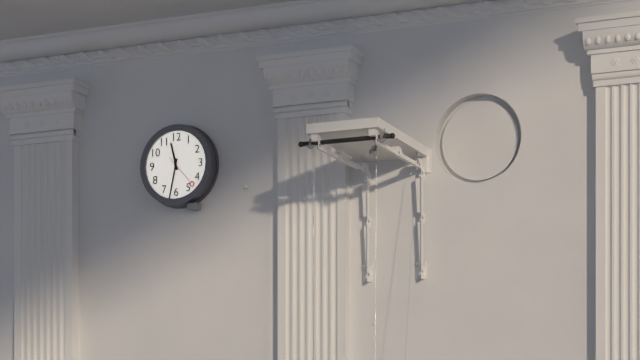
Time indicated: {"hour": 11, "minute": 32}
